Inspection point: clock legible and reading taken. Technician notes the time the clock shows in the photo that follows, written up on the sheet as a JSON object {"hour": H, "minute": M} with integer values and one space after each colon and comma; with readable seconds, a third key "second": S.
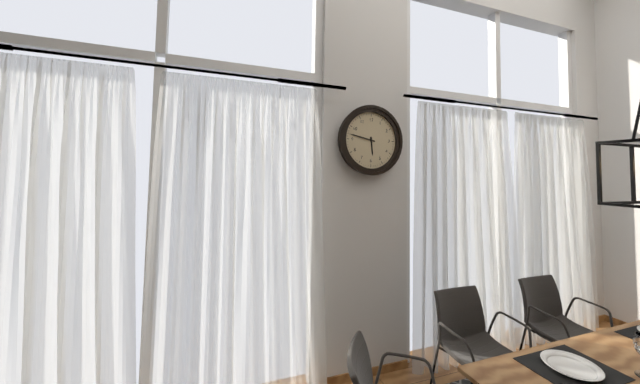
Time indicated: {"hour": 5, "minute": 47}
